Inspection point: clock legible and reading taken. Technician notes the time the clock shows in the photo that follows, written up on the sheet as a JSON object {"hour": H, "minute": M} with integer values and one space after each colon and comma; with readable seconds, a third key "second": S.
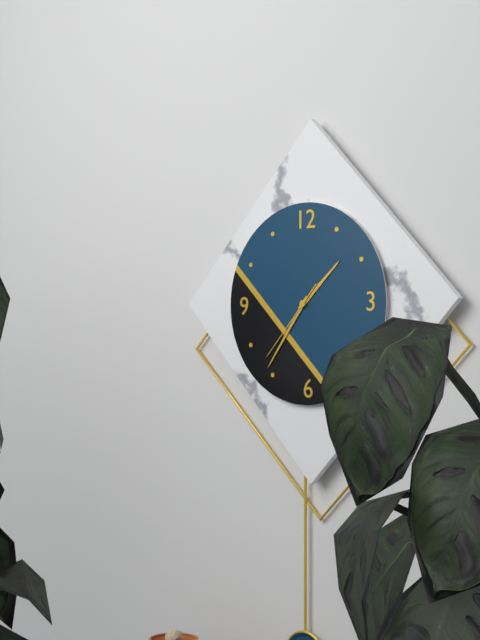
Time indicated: {"hour": 1, "minute": 36, "second": 37}
